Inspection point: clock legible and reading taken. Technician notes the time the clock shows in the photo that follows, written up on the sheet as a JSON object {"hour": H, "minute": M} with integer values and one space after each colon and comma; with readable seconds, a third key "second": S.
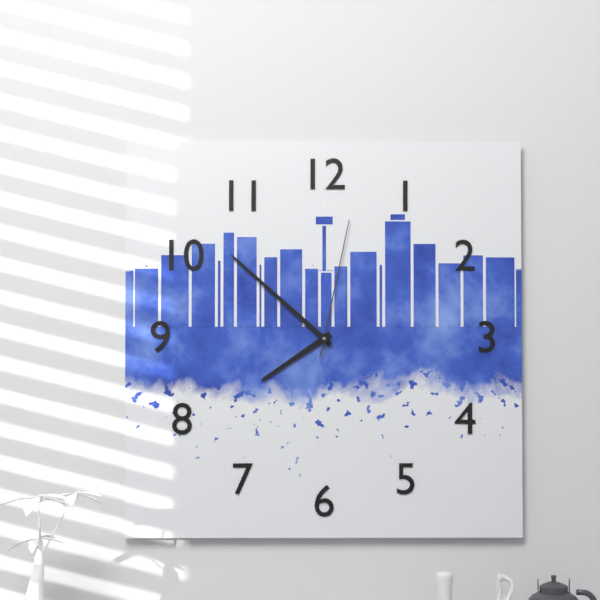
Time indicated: {"hour": 7, "minute": 52, "second": 2}
